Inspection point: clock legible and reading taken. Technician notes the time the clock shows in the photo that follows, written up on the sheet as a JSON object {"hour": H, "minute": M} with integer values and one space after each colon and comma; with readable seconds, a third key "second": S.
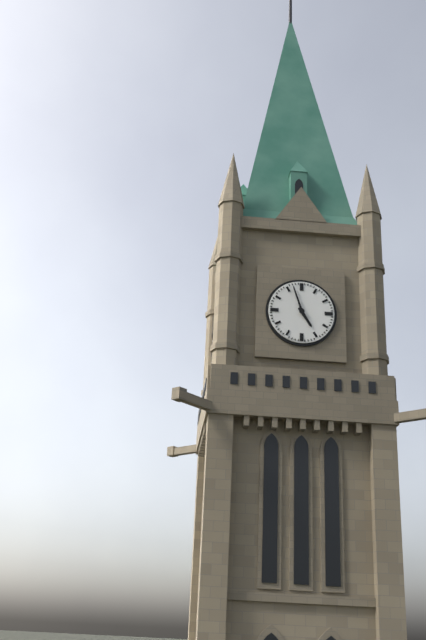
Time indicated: {"hour": 4, "minute": 57}
